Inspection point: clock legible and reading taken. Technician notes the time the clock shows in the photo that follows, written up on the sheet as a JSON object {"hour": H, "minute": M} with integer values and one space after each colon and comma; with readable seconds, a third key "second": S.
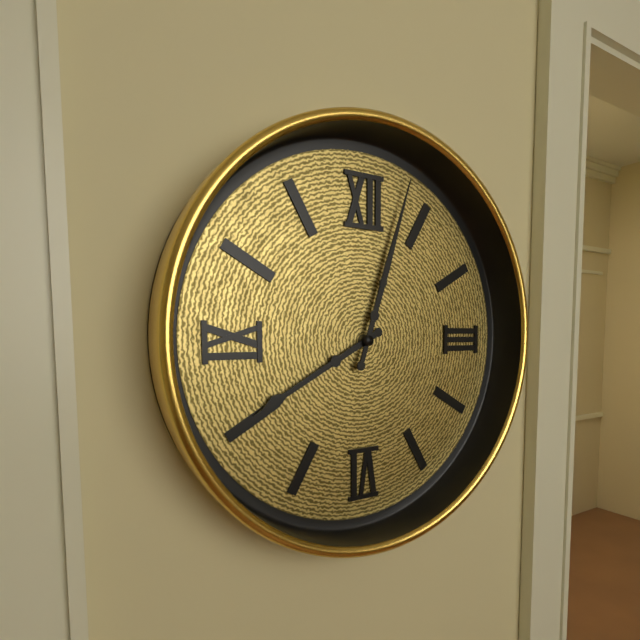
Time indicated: {"hour": 8, "minute": 3}
